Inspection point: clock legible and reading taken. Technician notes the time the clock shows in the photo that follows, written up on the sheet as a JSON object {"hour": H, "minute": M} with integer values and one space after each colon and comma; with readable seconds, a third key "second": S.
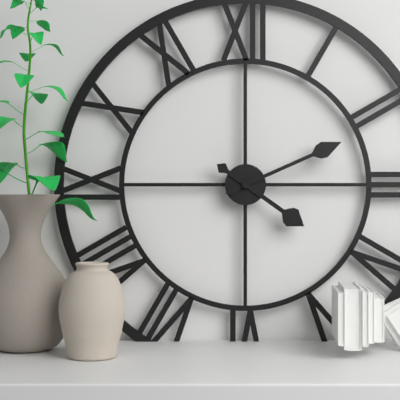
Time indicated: {"hour": 4, "minute": 11}
